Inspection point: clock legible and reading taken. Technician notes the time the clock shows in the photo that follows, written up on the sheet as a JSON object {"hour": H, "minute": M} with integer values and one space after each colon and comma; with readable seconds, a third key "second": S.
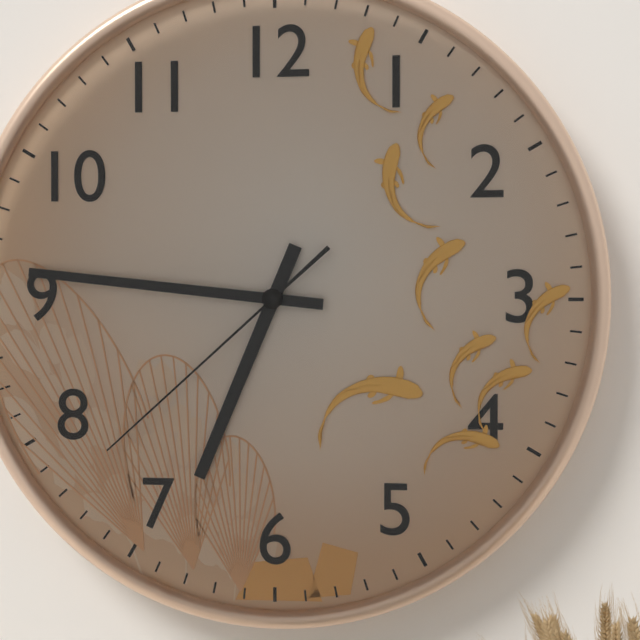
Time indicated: {"hour": 6, "minute": 46, "second": 38}
